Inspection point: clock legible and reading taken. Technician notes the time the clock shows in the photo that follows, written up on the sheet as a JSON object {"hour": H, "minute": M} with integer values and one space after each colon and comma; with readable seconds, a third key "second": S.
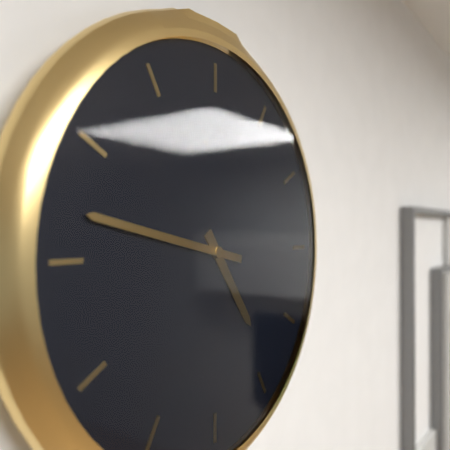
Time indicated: {"hour": 4, "minute": 47}
